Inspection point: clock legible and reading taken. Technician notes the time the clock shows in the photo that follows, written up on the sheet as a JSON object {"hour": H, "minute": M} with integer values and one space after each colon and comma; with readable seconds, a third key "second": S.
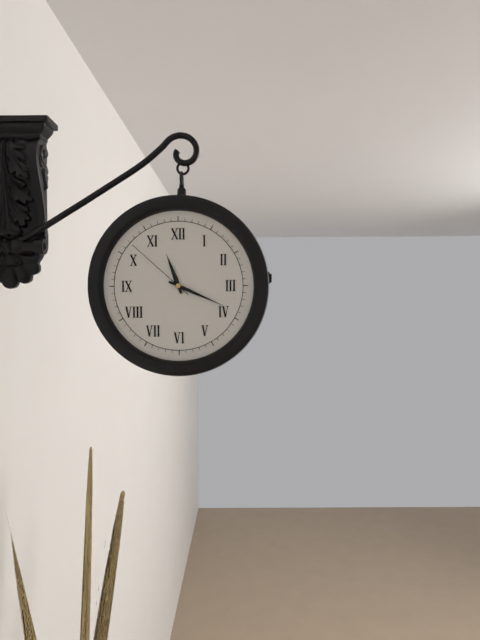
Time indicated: {"hour": 11, "minute": 19, "second": 52}
